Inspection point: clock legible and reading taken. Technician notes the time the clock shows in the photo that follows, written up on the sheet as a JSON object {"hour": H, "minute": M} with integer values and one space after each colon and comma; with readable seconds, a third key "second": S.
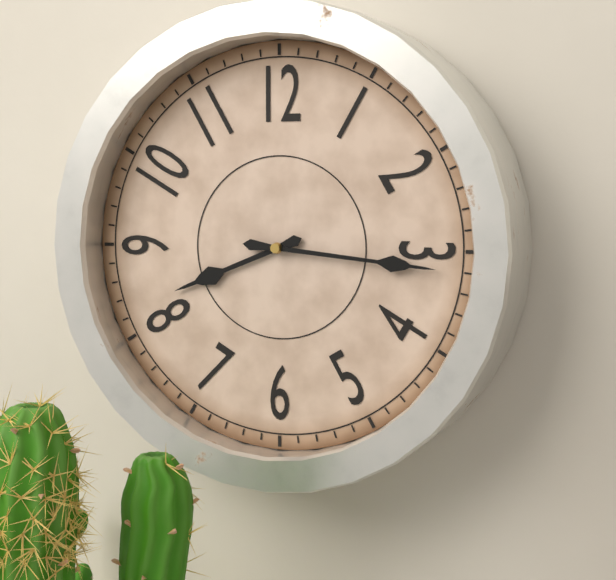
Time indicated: {"hour": 8, "minute": 16}
